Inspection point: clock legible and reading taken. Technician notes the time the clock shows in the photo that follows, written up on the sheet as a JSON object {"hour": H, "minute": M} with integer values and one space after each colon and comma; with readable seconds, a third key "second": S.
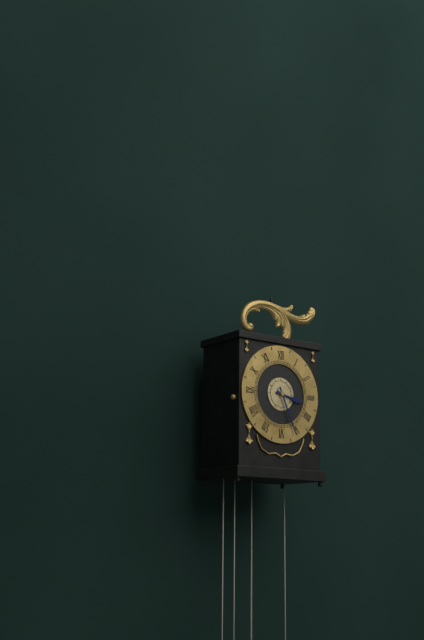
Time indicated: {"hour": 3, "minute": 26}
